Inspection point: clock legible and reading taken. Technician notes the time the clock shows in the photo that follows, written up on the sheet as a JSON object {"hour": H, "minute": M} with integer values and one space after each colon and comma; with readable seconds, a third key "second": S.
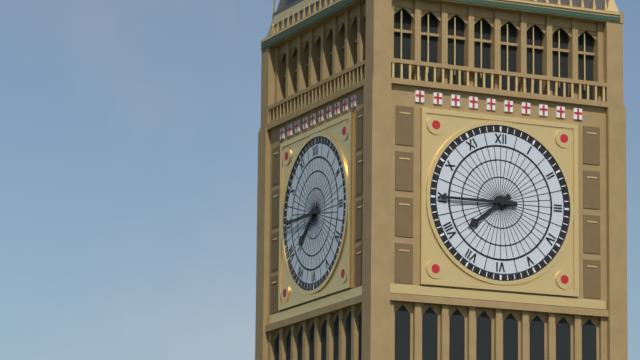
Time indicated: {"hour": 7, "minute": 45}
